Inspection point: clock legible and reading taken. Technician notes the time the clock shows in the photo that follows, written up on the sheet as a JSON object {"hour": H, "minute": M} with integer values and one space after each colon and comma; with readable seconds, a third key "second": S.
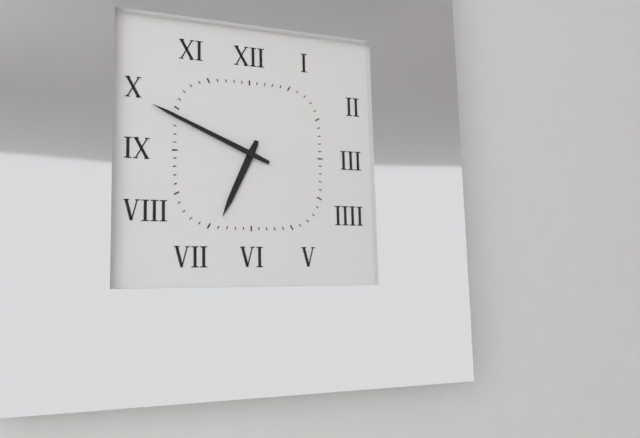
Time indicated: {"hour": 6, "minute": 49}
